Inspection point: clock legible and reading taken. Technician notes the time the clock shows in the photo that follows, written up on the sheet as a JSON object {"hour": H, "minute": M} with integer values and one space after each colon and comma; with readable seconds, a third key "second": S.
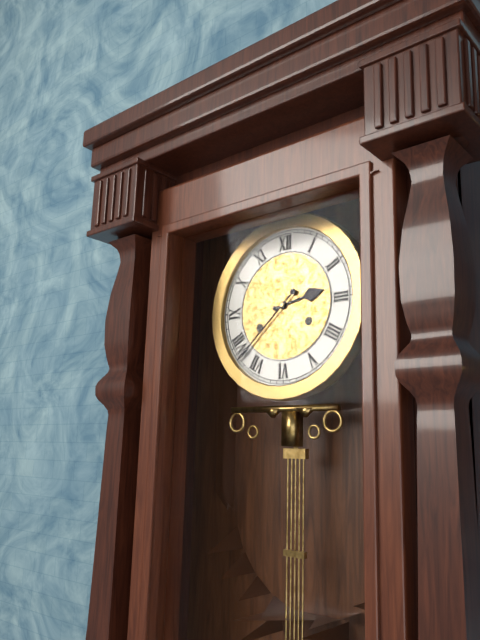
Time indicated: {"hour": 2, "minute": 38}
